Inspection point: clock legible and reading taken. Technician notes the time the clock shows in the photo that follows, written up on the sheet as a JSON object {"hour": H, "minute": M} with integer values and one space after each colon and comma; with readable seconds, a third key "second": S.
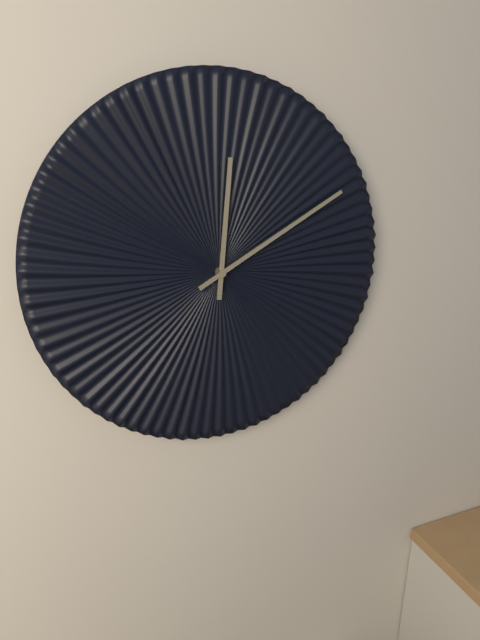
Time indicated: {"hour": 12, "minute": 10}
